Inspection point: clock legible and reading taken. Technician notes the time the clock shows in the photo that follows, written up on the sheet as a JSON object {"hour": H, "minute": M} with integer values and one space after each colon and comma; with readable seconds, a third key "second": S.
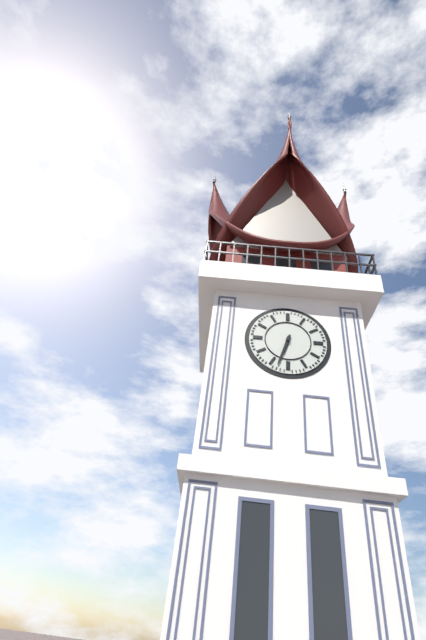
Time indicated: {"hour": 6, "minute": 33}
